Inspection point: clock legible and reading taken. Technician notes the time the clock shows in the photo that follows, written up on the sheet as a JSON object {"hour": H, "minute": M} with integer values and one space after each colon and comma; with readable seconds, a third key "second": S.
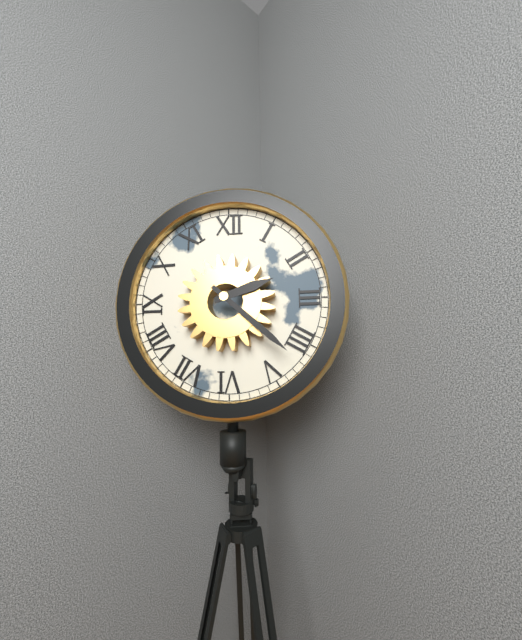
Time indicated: {"hour": 2, "minute": 22}
